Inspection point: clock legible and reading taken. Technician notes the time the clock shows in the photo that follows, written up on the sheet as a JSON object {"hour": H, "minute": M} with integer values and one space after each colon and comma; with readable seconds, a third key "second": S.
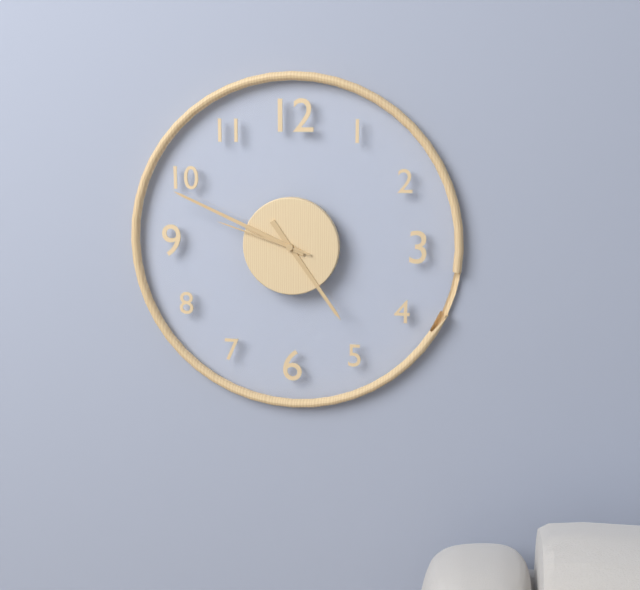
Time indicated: {"hour": 4, "minute": 49, "second": 48}
